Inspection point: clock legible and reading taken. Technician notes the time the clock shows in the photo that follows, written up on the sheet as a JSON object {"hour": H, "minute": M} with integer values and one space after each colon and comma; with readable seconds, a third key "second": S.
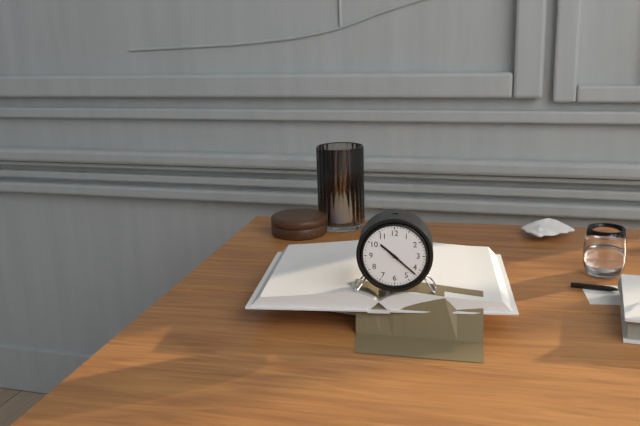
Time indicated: {"hour": 10, "minute": 22}
